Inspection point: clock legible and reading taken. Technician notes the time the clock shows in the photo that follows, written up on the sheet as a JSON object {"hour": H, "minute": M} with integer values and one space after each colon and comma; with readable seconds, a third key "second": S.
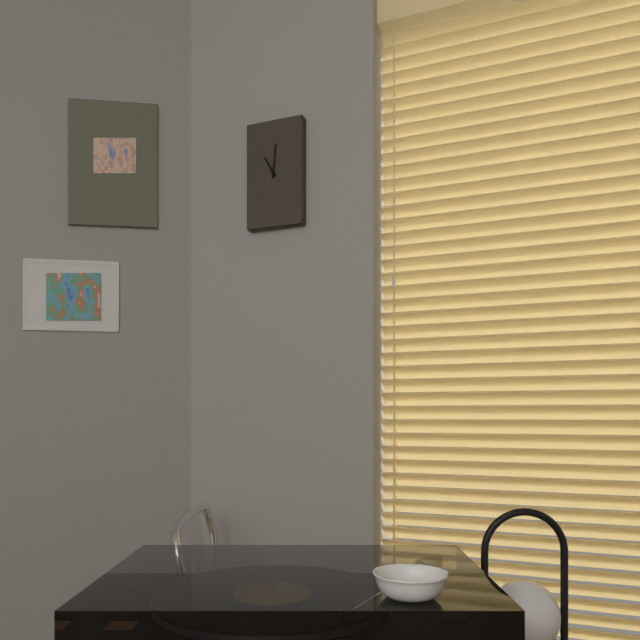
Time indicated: {"hour": 11, "minute": 1}
